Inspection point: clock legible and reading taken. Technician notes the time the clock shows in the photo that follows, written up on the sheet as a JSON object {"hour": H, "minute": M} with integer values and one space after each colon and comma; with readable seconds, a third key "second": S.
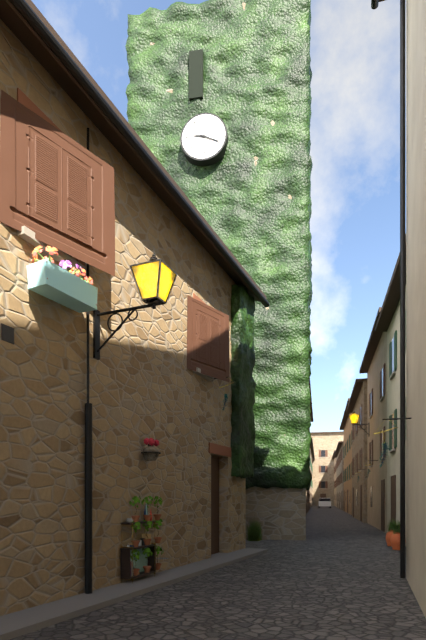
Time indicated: {"hour": 9, "minute": 19}
